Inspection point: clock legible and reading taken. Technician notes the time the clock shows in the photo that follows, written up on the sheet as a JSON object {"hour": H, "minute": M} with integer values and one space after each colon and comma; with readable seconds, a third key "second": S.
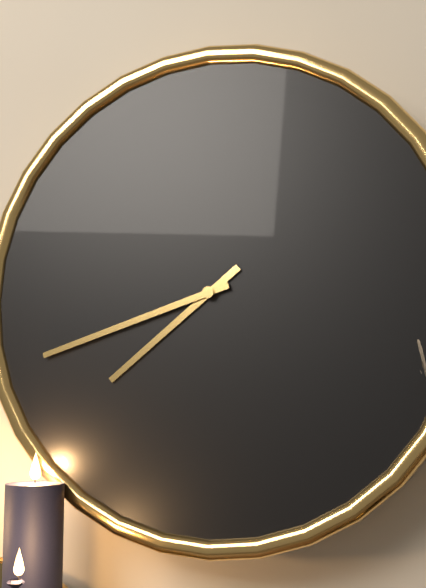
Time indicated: {"hour": 7, "minute": 42}
